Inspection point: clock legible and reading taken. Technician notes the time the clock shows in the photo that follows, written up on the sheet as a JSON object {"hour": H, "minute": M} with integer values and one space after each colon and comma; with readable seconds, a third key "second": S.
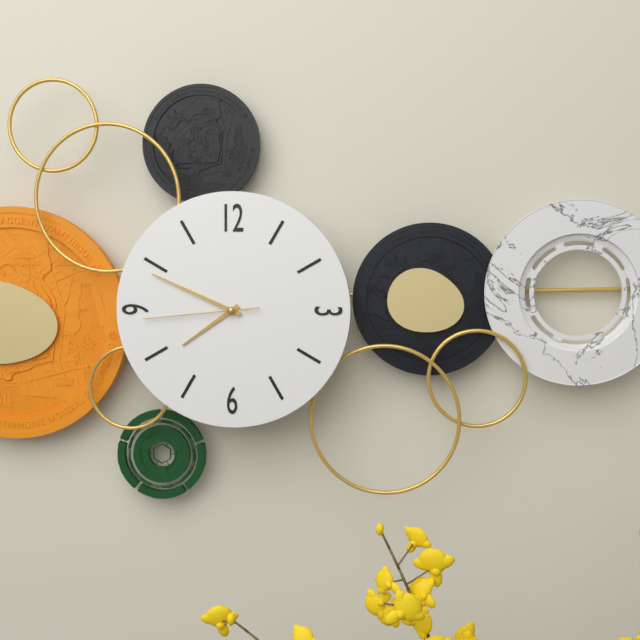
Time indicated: {"hour": 7, "minute": 49, "second": 44}
